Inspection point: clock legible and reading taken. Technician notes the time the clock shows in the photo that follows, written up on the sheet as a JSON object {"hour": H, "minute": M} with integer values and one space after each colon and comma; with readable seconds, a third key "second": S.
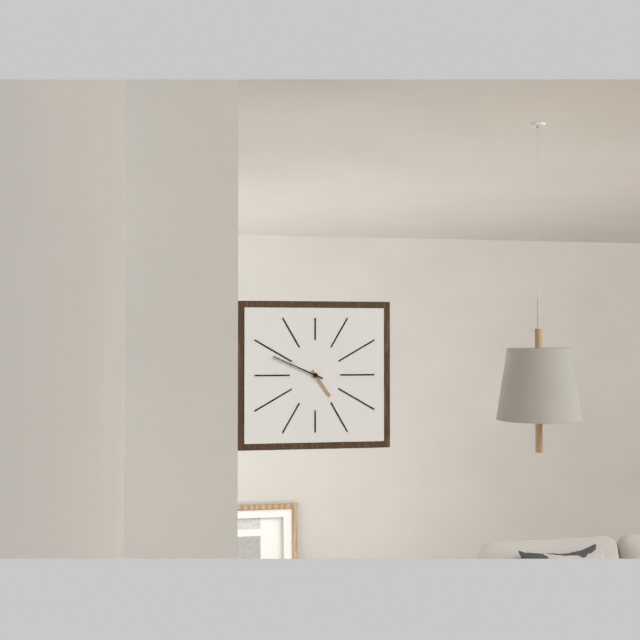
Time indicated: {"hour": 4, "minute": 49}
